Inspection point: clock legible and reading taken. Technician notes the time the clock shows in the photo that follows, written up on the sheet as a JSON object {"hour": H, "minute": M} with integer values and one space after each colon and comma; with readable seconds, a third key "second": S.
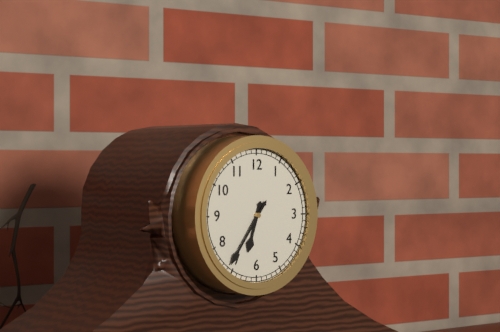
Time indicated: {"hour": 6, "minute": 36}
